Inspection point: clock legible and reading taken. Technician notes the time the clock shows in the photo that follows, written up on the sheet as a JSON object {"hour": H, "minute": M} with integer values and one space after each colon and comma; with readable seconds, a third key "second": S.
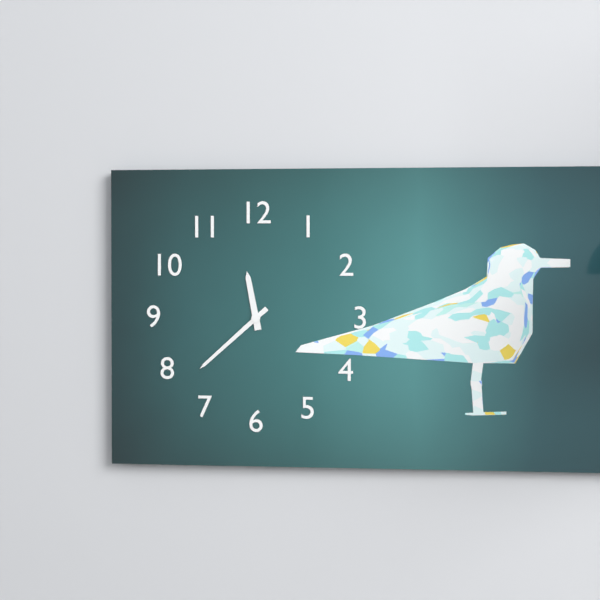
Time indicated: {"hour": 11, "minute": 38}
